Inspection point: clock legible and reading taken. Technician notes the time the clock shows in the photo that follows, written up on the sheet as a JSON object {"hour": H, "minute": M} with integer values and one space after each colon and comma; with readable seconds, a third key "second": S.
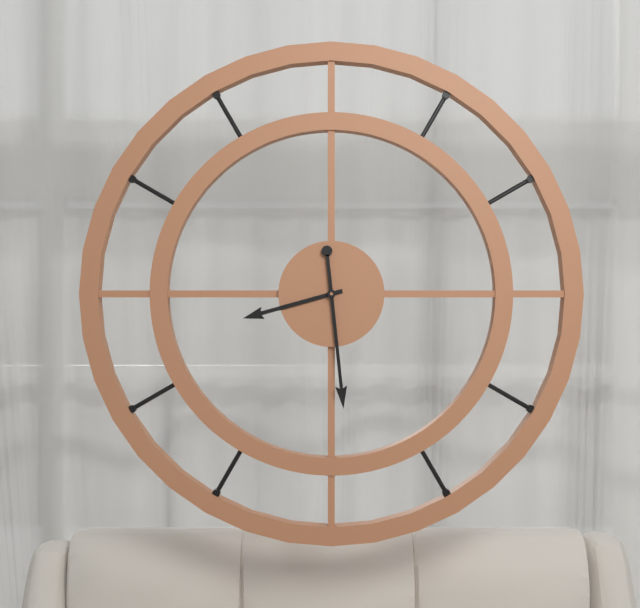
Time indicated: {"hour": 8, "minute": 29}
